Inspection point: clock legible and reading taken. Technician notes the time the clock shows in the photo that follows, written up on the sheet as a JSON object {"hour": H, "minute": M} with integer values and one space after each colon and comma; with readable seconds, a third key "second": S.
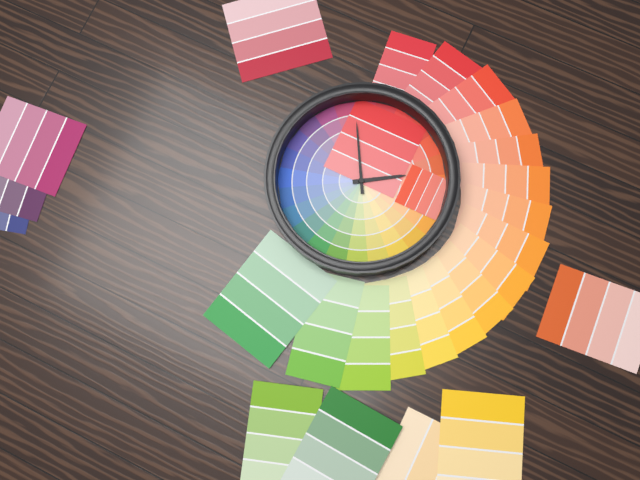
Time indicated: {"hour": 1, "minute": 55}
